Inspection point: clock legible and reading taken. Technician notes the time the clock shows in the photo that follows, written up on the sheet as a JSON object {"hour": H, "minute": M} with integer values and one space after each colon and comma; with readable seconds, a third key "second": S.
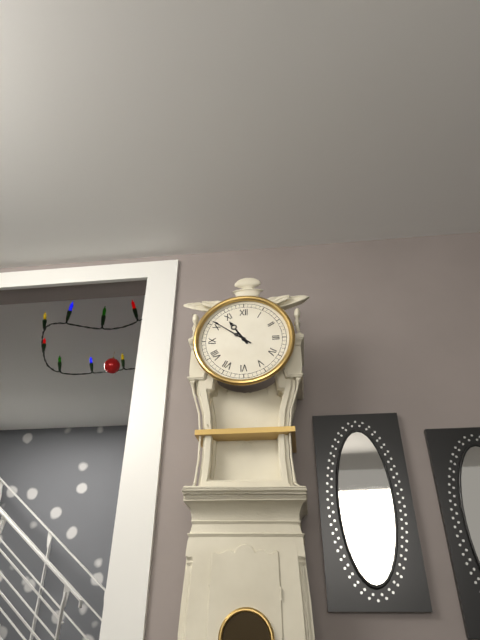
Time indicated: {"hour": 10, "minute": 51}
